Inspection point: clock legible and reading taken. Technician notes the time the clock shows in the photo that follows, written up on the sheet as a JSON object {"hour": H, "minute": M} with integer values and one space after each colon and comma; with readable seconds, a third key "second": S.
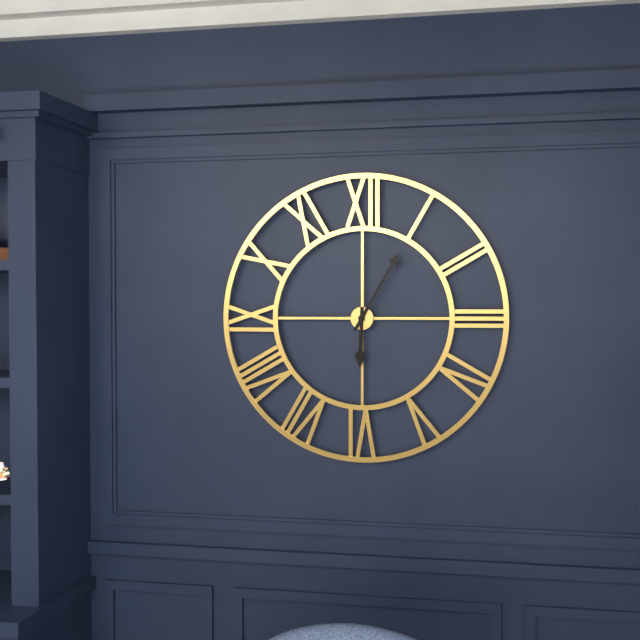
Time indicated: {"hour": 6, "minute": 5}
